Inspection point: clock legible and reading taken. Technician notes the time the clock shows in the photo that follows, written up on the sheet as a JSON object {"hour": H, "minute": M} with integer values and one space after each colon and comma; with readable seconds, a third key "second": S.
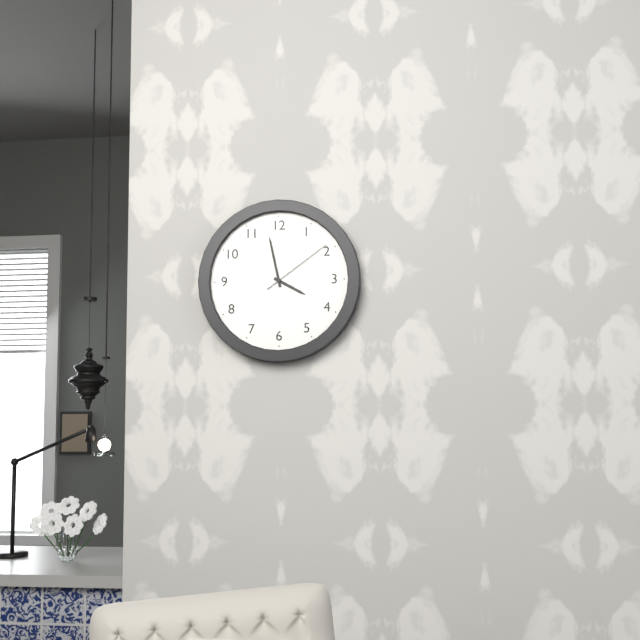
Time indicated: {"hour": 3, "minute": 58, "second": 9}
